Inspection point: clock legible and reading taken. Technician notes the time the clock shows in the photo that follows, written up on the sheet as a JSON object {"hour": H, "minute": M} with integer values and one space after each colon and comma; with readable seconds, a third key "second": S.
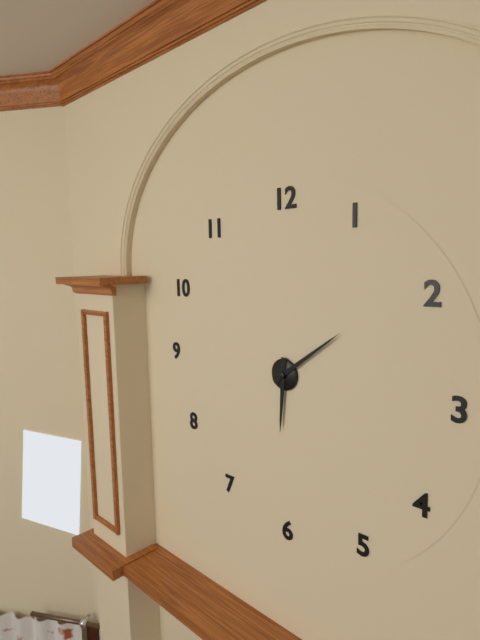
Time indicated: {"hour": 6, "minute": 9}
